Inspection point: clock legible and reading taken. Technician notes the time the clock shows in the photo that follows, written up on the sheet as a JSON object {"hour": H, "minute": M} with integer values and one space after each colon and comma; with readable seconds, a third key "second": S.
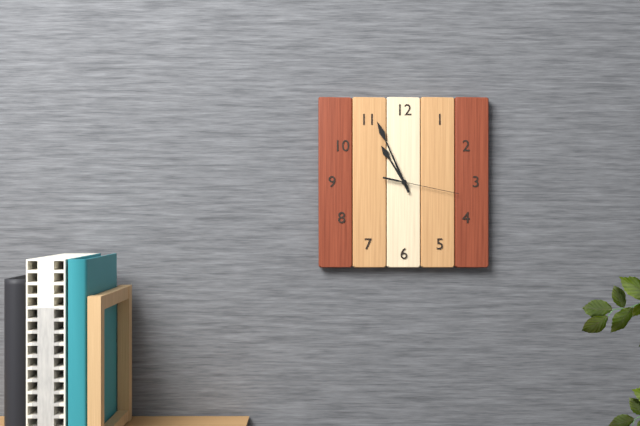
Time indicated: {"hour": 10, "minute": 56, "second": 17}
